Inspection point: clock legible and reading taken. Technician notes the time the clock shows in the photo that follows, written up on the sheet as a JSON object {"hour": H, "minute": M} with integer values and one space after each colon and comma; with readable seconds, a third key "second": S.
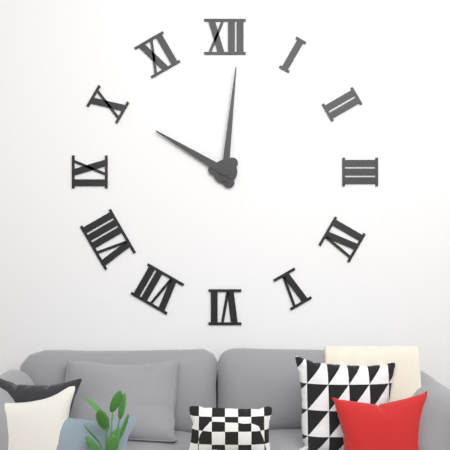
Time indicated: {"hour": 10, "minute": 1}
